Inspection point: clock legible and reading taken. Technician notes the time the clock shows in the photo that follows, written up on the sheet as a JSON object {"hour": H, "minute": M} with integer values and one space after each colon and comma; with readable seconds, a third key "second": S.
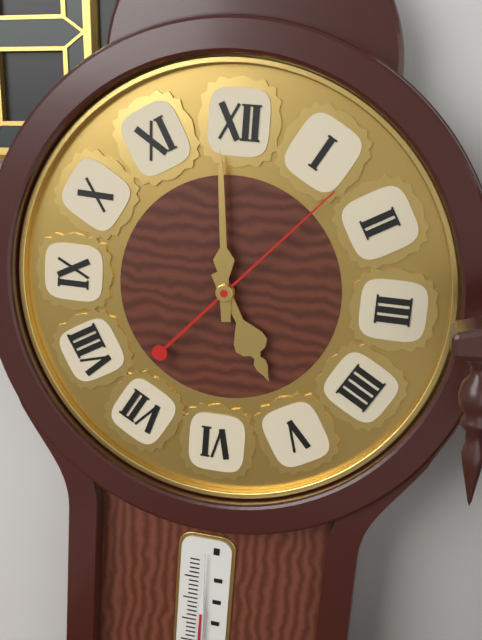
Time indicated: {"hour": 4, "minute": 59, "second": 7}
